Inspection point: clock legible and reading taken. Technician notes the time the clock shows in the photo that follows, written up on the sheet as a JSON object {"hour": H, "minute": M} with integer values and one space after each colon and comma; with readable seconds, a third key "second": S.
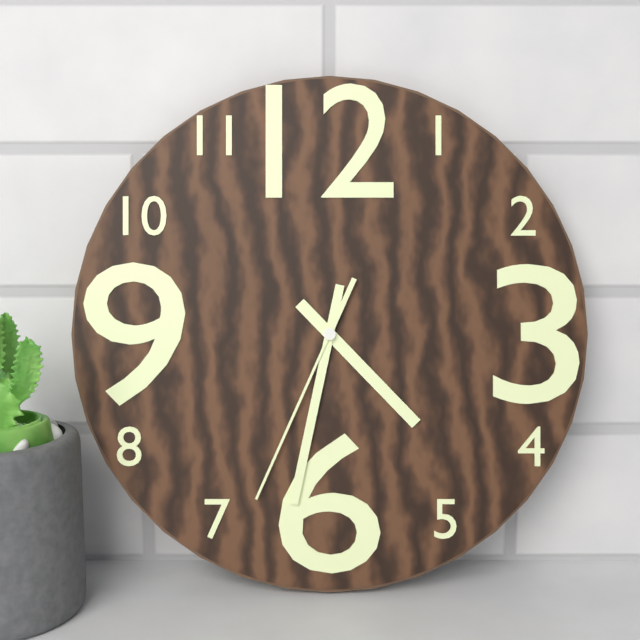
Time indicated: {"hour": 4, "minute": 32, "second": 34}
